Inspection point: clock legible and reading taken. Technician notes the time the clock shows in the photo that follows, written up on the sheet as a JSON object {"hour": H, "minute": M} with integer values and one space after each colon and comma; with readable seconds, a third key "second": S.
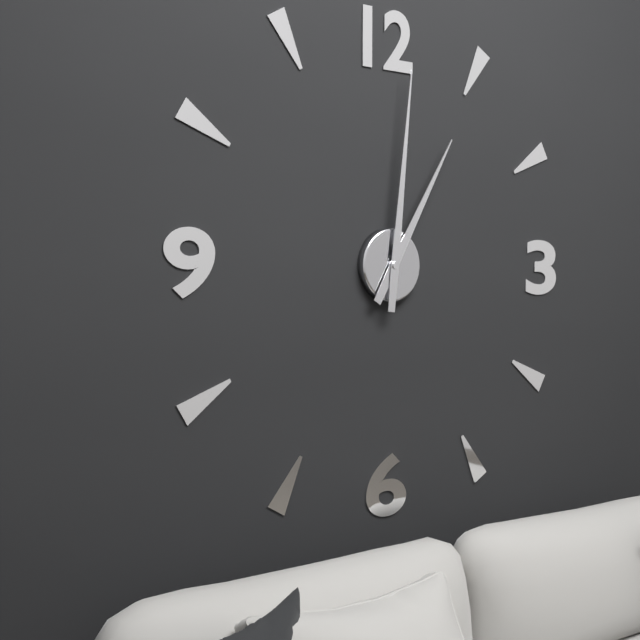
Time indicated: {"hour": 1, "minute": 1}
